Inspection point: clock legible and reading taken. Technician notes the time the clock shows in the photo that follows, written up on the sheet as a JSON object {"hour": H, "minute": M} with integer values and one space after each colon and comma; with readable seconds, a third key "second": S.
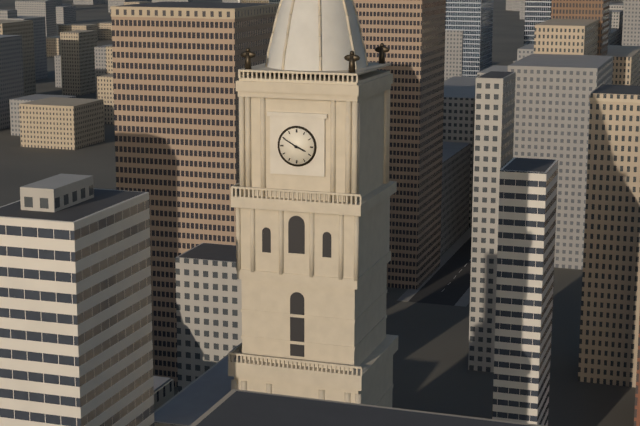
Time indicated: {"hour": 3, "minute": 50}
